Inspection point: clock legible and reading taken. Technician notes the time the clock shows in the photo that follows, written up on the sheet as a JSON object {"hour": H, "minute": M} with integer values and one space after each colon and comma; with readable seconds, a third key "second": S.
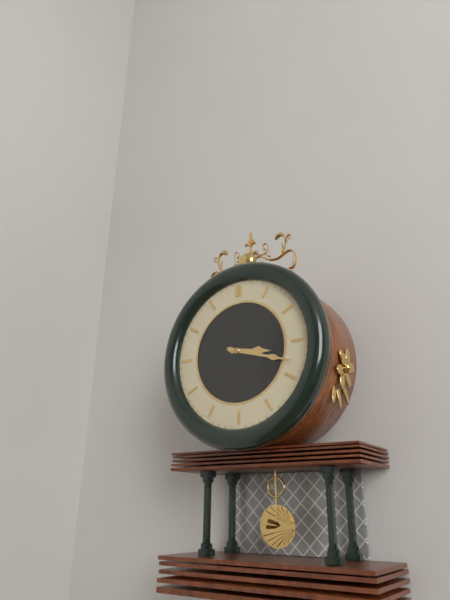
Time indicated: {"hour": 3, "minute": 18}
